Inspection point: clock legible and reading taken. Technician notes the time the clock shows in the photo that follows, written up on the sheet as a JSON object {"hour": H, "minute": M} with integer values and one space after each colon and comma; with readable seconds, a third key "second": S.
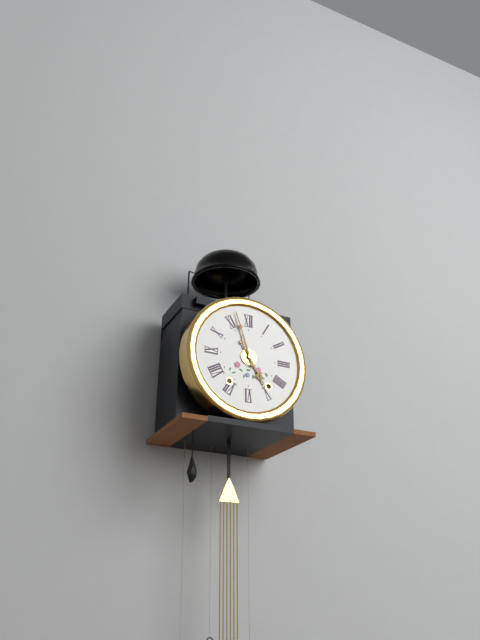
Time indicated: {"hour": 4, "minute": 57}
